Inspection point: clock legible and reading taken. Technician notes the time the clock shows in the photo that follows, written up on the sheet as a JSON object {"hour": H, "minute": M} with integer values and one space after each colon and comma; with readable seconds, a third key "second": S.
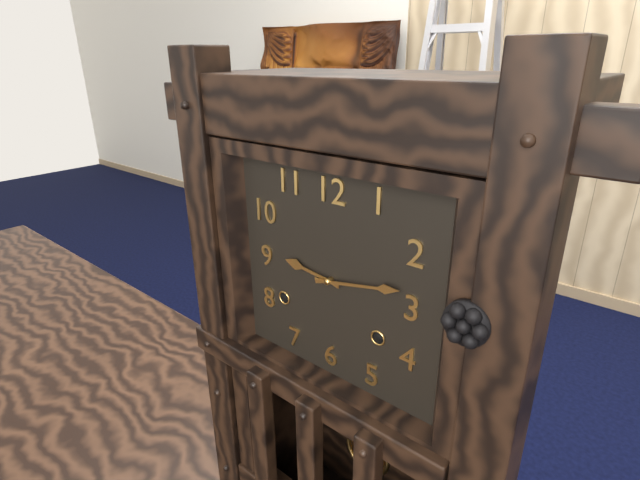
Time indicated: {"hour": 9, "minute": 13}
